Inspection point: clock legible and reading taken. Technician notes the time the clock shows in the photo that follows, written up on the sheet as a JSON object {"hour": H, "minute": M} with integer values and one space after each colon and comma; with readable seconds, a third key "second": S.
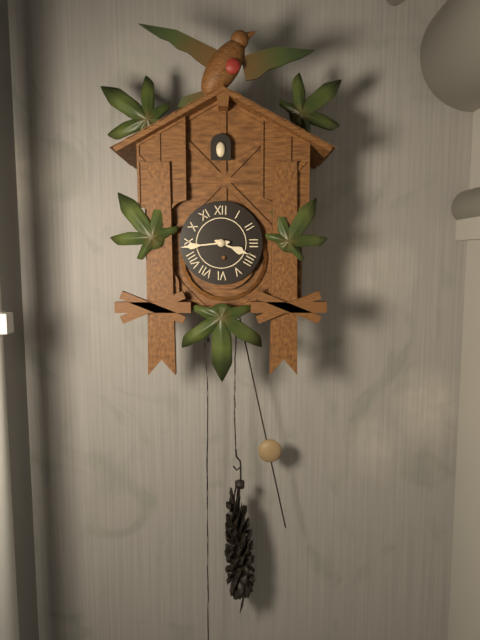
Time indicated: {"hour": 3, "minute": 44}
